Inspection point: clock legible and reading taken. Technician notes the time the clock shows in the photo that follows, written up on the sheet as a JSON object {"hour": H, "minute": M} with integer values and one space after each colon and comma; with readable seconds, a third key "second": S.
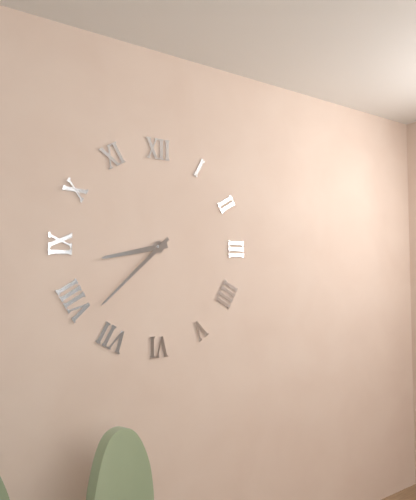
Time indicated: {"hour": 8, "minute": 38}
